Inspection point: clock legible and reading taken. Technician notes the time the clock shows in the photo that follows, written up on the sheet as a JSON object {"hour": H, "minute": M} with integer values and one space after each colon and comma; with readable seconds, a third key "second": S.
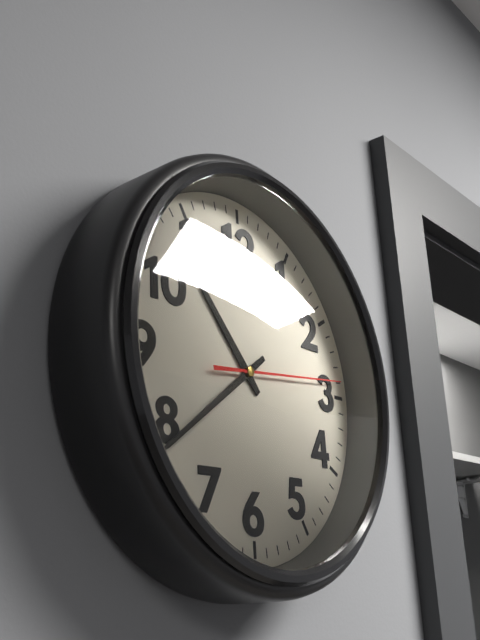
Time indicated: {"hour": 10, "minute": 39, "second": 14}
